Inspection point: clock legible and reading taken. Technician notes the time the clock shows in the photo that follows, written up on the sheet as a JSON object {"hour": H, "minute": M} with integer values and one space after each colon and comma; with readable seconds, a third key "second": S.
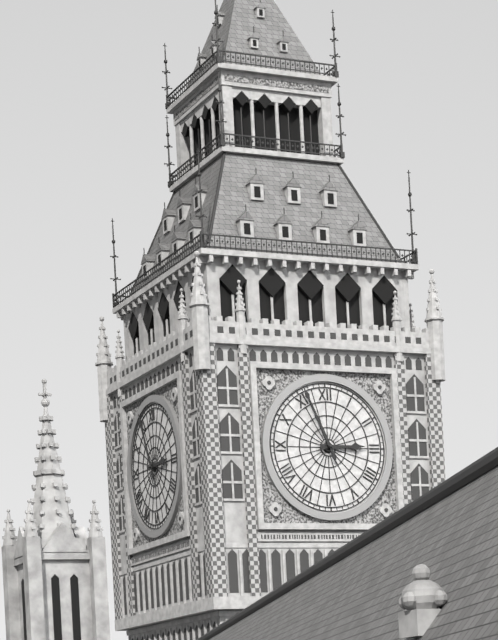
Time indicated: {"hour": 2, "minute": 56}
